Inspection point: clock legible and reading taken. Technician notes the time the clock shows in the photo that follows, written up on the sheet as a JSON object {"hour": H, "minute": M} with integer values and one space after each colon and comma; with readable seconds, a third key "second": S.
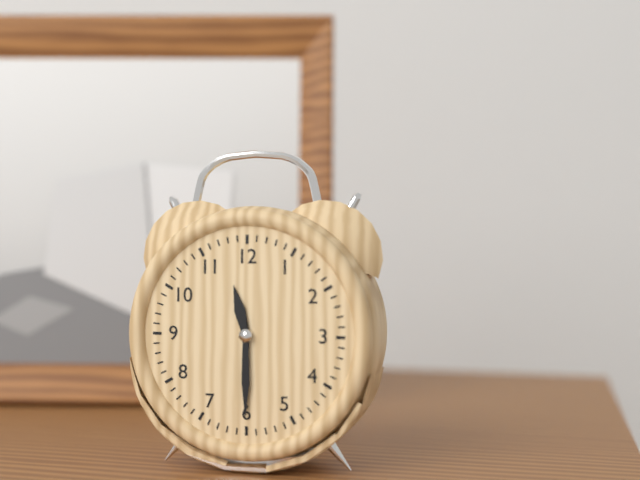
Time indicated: {"hour": 11, "minute": 30}
